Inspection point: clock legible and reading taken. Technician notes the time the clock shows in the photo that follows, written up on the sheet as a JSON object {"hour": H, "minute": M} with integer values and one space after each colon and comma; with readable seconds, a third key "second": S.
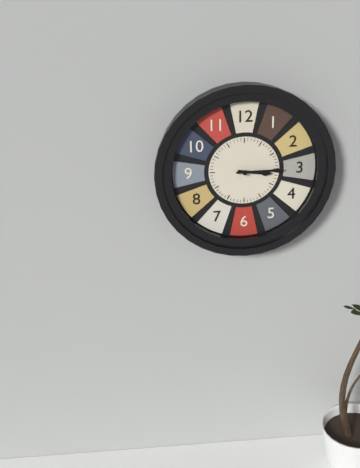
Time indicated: {"hour": 3, "minute": 15}
